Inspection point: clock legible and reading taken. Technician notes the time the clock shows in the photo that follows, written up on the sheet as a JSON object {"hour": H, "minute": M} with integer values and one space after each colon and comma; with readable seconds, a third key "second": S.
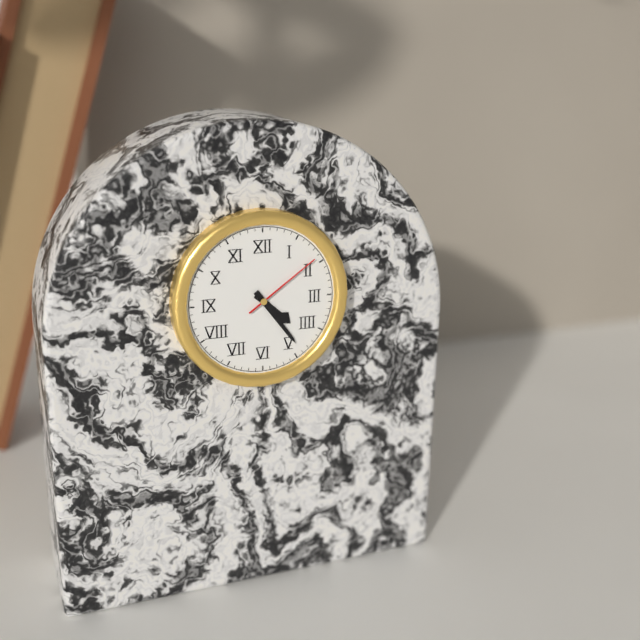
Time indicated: {"hour": 4, "minute": 24, "second": 9}
